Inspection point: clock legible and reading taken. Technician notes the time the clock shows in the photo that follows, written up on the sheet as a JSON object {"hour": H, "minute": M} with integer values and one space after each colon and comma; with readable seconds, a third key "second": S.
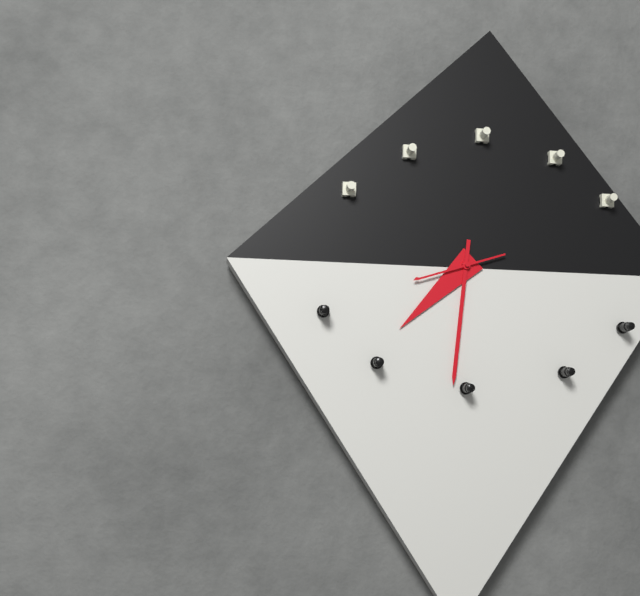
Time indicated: {"hour": 7, "minute": 31, "second": 42}
